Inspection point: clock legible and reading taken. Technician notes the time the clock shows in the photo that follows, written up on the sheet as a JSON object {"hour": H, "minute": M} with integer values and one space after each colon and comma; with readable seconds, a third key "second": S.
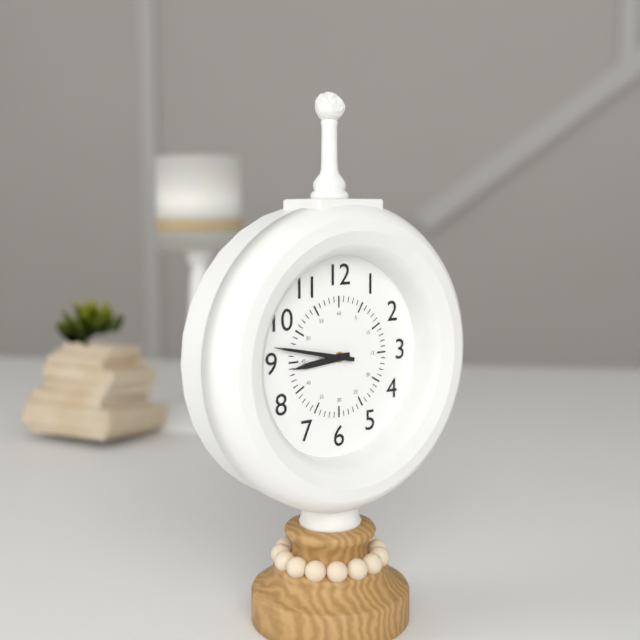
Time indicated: {"hour": 8, "minute": 47}
